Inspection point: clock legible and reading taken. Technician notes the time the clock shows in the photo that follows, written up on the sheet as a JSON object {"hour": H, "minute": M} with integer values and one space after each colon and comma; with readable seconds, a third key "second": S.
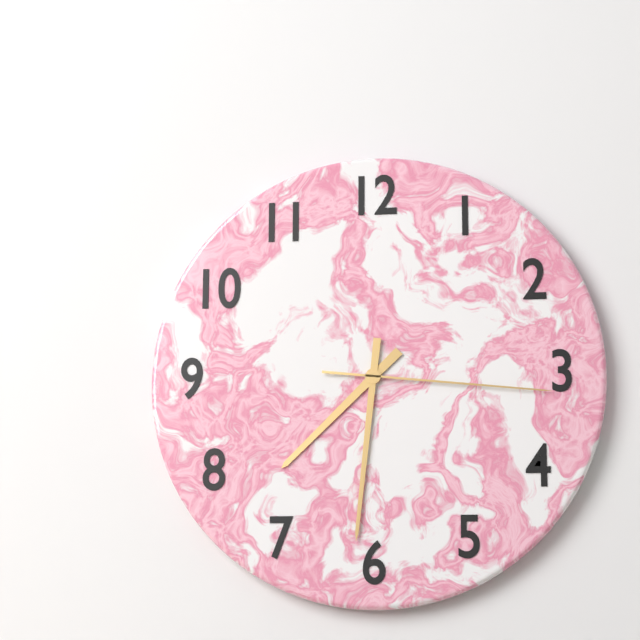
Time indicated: {"hour": 7, "minute": 31, "second": 16}
